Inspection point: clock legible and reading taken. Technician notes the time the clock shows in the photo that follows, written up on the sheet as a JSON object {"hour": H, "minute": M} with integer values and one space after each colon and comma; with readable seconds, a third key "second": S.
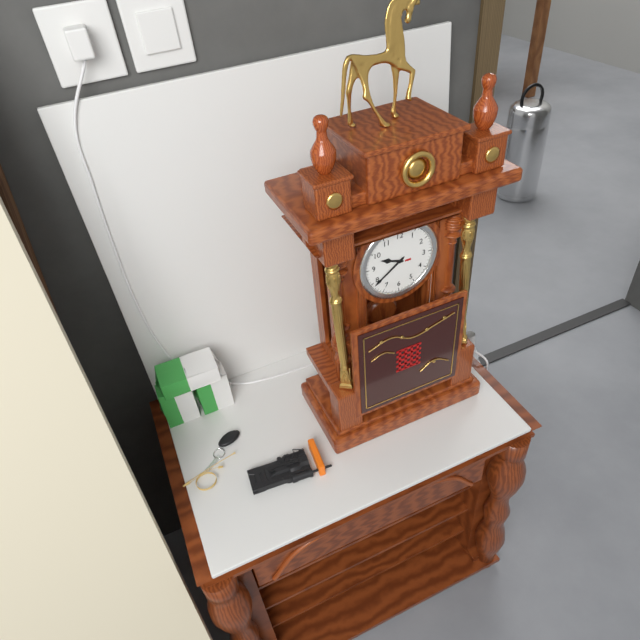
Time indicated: {"hour": 9, "minute": 39}
